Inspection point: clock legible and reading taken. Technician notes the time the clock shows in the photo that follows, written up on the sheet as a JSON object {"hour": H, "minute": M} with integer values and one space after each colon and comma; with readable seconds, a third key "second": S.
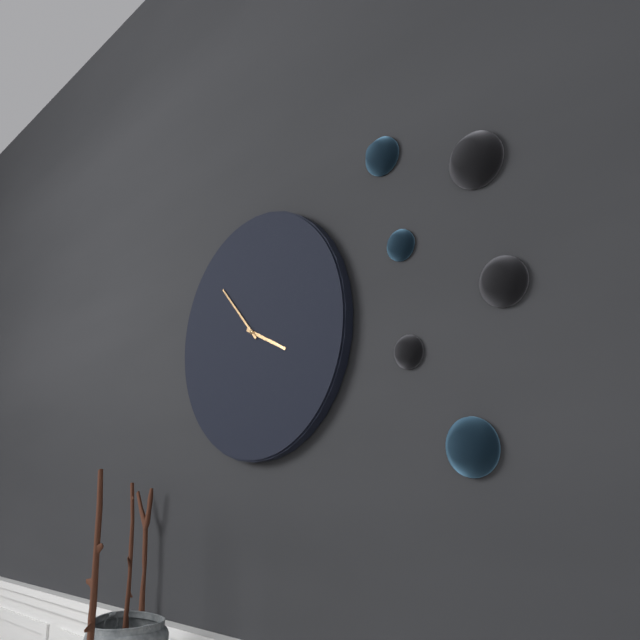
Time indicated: {"hour": 3, "minute": 53}
